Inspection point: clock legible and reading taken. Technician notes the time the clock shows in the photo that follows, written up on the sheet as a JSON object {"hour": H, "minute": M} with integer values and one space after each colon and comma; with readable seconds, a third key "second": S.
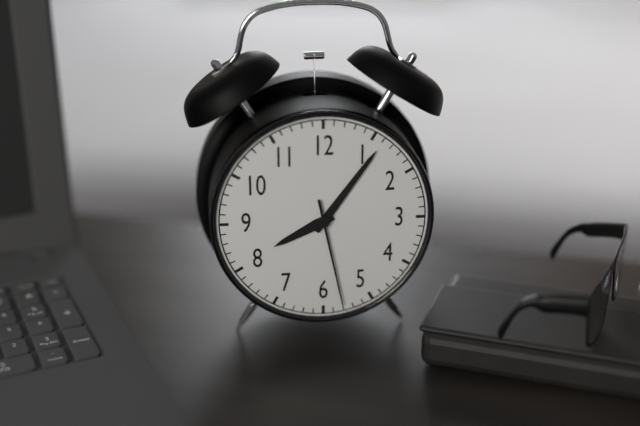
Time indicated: {"hour": 8, "minute": 6, "second": 28}
